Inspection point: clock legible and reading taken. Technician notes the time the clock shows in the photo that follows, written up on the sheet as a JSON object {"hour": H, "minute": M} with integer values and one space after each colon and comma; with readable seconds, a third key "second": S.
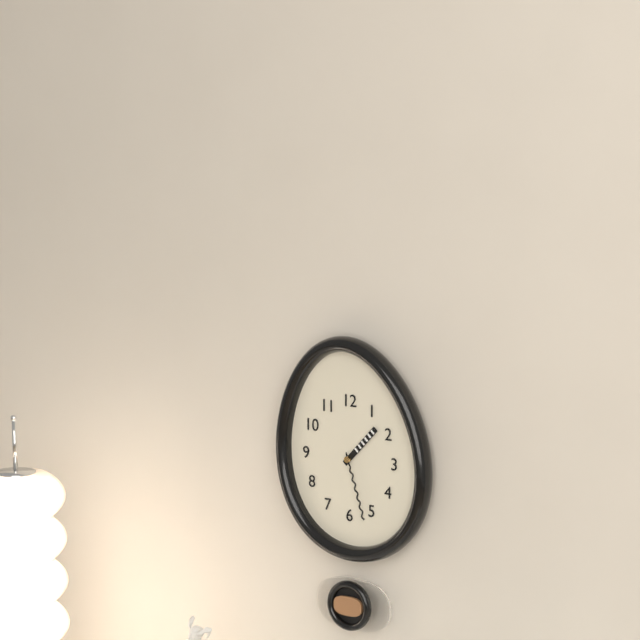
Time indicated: {"hour": 1, "minute": 27}
